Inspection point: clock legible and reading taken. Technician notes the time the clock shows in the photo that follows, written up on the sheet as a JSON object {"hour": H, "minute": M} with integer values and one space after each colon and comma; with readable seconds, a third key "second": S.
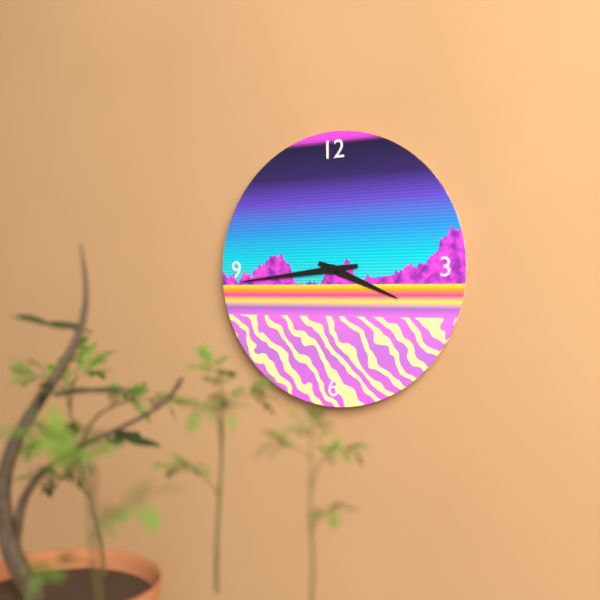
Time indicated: {"hour": 3, "minute": 44}
